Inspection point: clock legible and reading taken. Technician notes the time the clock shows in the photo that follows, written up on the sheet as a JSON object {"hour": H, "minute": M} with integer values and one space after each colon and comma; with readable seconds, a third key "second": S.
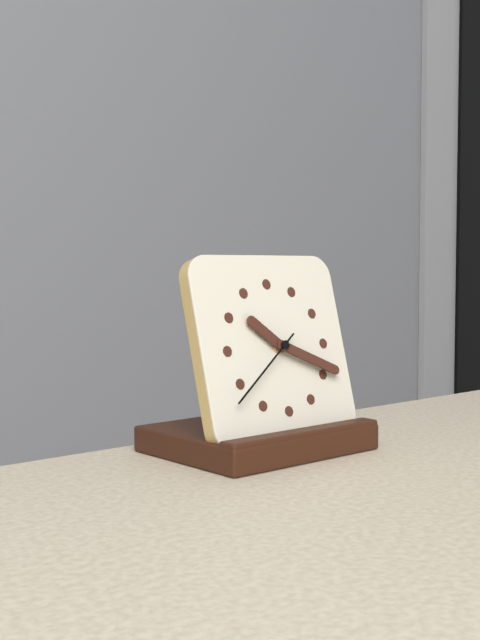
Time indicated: {"hour": 10, "minute": 19, "second": 39}
